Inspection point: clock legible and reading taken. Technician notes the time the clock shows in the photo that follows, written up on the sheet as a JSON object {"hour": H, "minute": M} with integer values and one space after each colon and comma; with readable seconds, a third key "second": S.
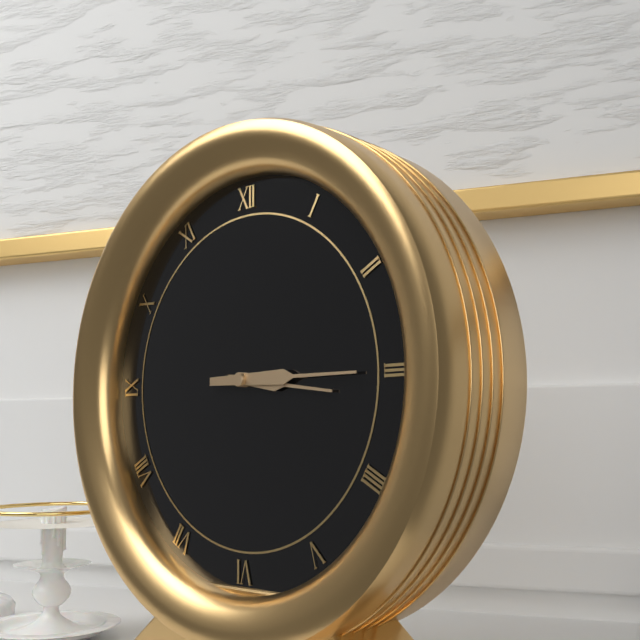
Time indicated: {"hour": 3, "minute": 15}
